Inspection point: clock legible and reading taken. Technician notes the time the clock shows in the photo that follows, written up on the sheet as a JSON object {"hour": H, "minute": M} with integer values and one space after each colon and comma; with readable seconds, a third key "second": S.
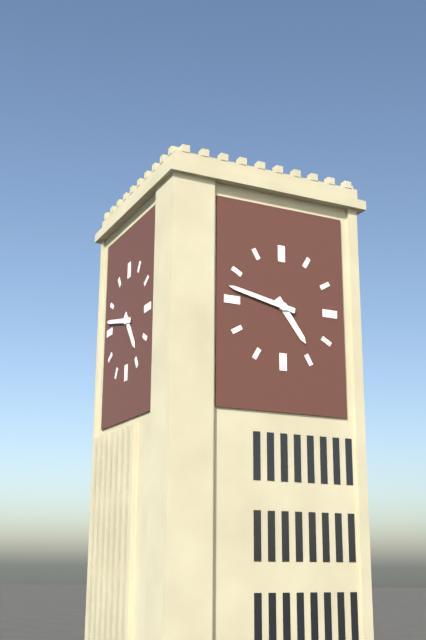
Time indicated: {"hour": 4, "minute": 47}
